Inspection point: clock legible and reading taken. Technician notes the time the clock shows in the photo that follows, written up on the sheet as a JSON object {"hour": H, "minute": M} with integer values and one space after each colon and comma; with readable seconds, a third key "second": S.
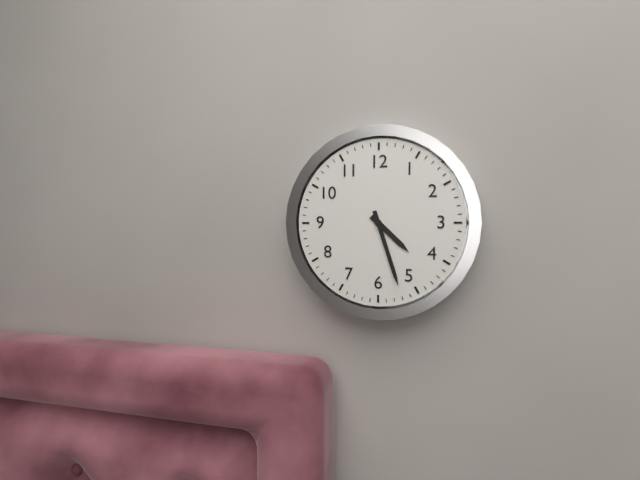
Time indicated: {"hour": 4, "minute": 27}
